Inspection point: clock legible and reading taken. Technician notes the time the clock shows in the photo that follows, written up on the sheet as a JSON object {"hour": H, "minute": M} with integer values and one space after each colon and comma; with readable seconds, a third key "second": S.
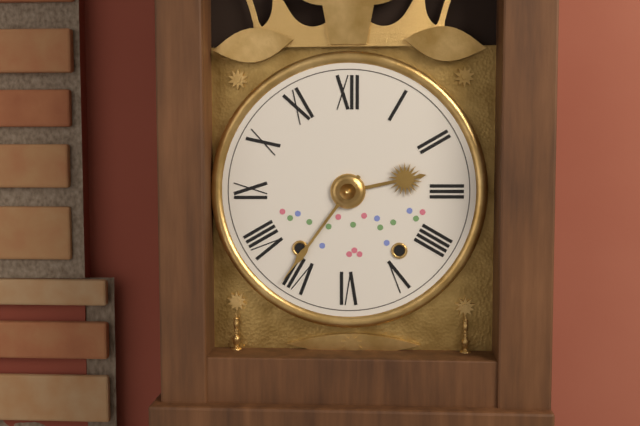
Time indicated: {"hour": 2, "minute": 36}
